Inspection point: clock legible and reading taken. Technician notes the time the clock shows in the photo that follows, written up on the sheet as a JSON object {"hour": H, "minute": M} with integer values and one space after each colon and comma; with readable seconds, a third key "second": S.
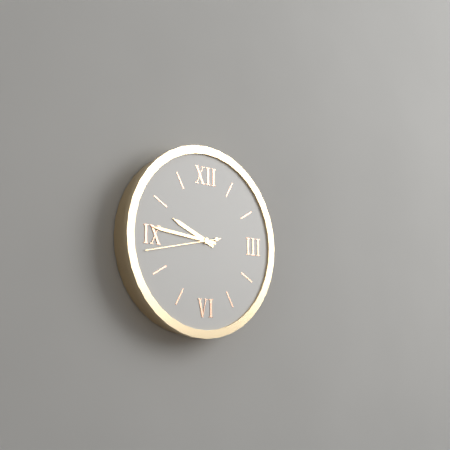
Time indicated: {"hour": 9, "minute": 46, "second": 43}
